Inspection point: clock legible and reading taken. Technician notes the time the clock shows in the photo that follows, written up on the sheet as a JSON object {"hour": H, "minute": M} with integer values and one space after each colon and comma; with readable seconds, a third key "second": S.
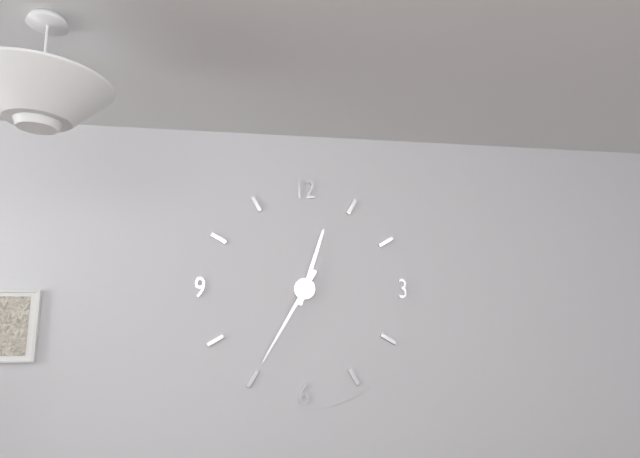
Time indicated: {"hour": 12, "minute": 35}
